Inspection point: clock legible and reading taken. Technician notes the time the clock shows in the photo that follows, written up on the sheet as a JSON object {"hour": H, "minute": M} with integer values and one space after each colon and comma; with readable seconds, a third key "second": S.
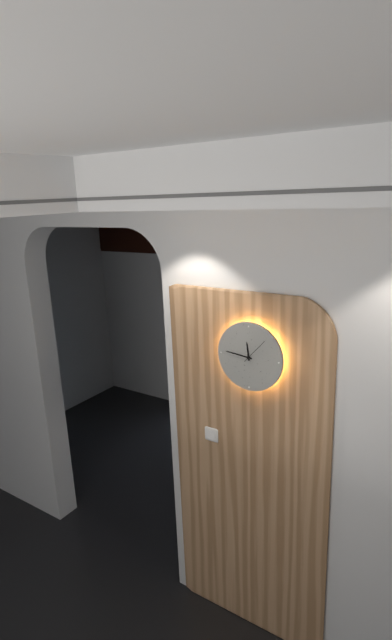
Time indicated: {"hour": 11, "minute": 46}
